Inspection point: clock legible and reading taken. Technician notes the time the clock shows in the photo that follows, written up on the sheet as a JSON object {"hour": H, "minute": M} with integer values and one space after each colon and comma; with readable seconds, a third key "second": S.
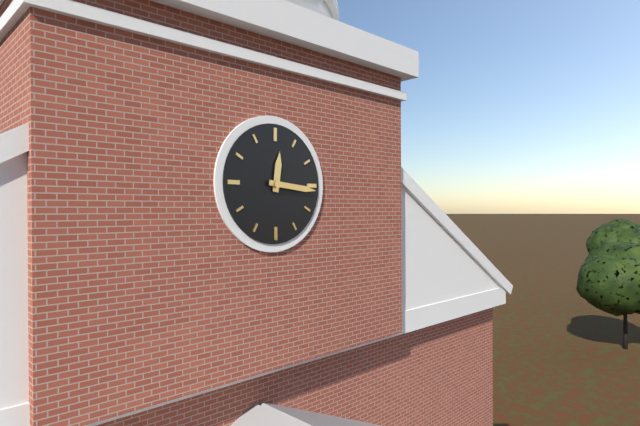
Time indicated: {"hour": 12, "minute": 16}
